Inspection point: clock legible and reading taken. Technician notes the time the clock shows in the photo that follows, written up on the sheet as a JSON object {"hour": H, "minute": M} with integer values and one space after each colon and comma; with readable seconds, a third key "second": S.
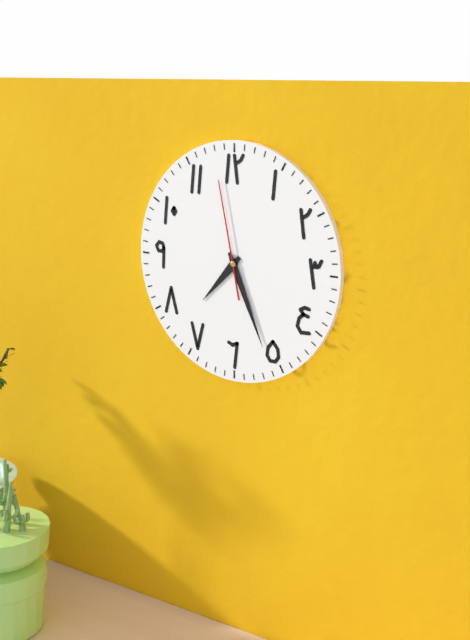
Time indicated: {"hour": 7, "minute": 26, "second": 58}
